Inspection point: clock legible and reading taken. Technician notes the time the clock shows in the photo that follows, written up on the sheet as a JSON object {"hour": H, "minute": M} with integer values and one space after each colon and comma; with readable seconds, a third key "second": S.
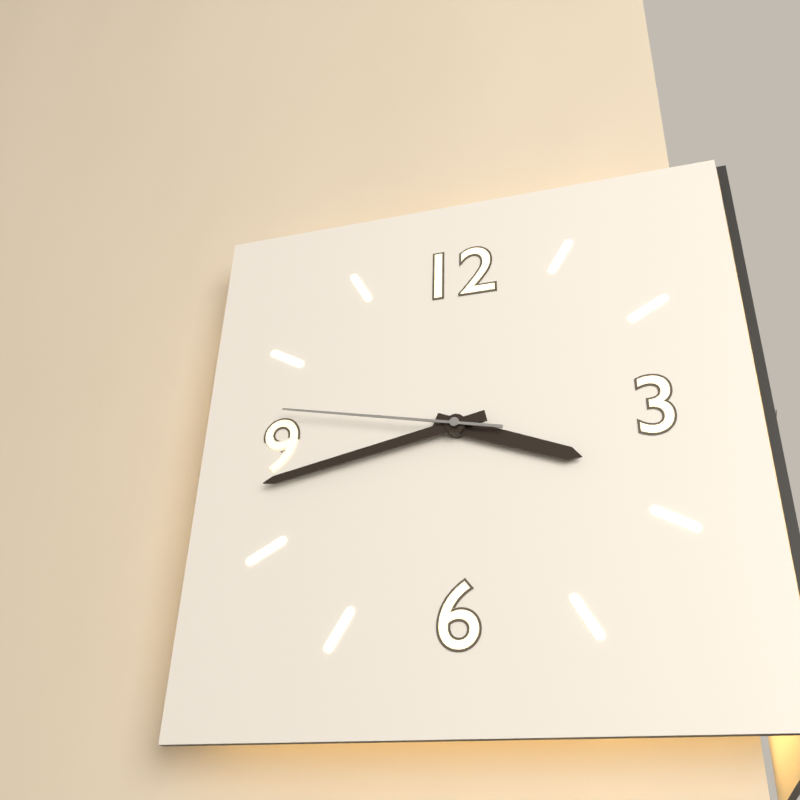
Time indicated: {"hour": 3, "minute": 43, "second": 47}
